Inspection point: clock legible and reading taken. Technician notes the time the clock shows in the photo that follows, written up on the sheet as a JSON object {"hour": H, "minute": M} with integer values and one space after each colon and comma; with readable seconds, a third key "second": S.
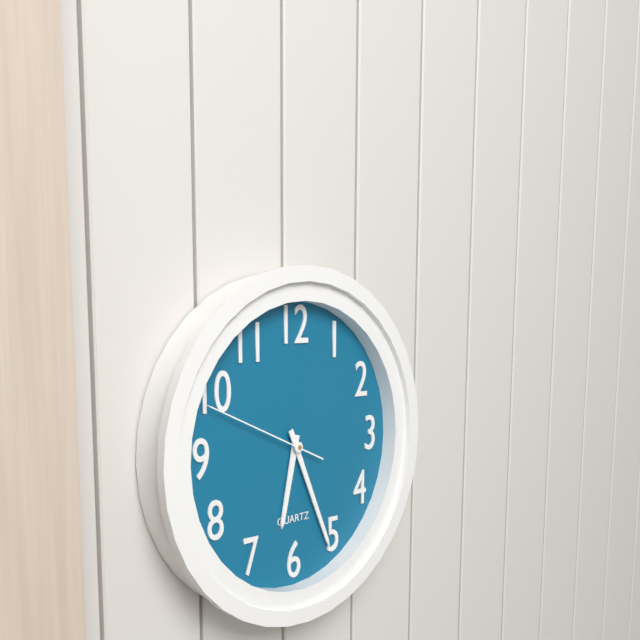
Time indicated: {"hour": 6, "minute": 26, "second": 49}
